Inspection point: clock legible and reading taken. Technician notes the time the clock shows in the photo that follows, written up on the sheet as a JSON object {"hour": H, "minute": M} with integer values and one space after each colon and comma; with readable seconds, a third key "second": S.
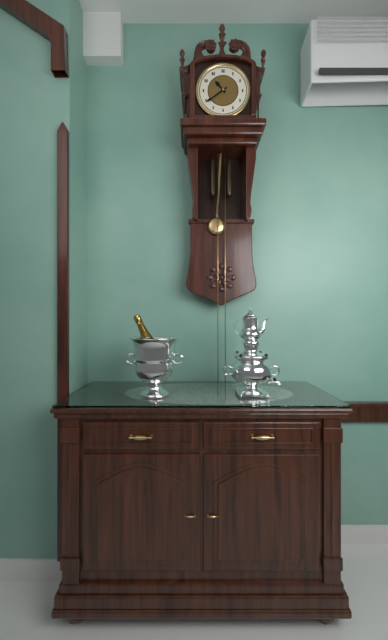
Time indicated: {"hour": 10, "minute": 39}
